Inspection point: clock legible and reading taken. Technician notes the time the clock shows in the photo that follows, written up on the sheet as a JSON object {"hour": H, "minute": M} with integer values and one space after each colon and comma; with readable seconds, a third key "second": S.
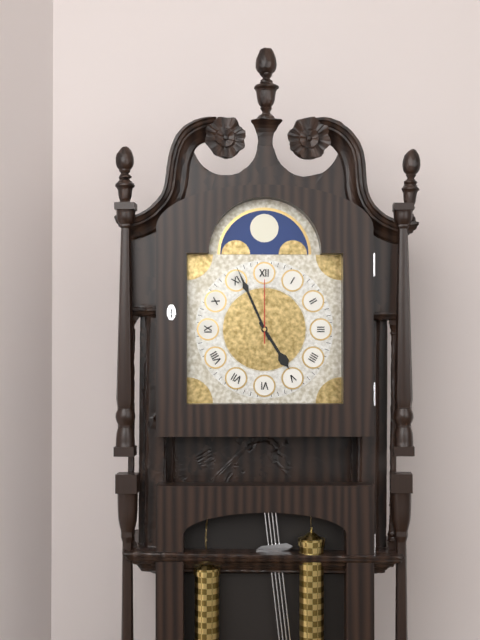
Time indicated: {"hour": 4, "minute": 56, "second": 0}
